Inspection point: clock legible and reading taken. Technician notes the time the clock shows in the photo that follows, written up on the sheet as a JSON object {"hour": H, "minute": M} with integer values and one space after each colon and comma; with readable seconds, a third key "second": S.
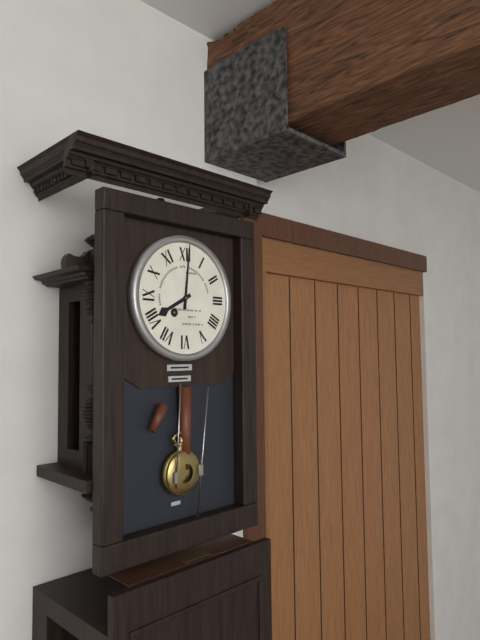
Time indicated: {"hour": 8, "minute": 1}
